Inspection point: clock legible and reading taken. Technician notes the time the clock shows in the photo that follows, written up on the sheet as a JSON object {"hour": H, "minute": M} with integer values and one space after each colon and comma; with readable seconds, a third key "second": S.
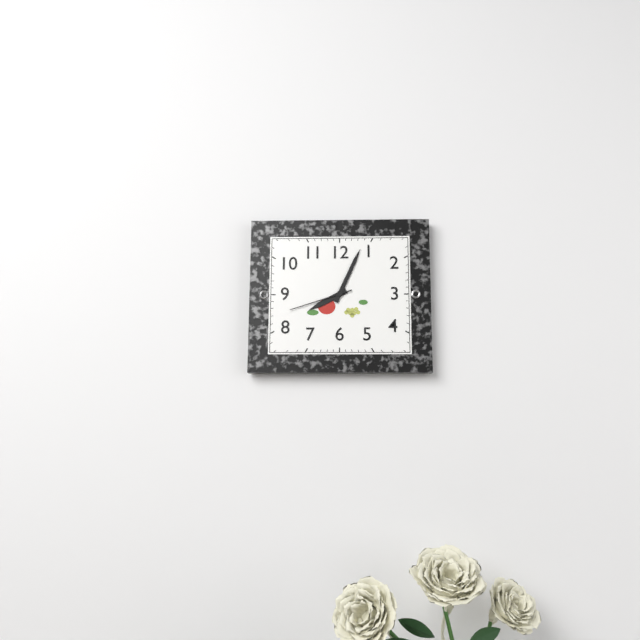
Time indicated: {"hour": 8, "minute": 4, "second": 42}
